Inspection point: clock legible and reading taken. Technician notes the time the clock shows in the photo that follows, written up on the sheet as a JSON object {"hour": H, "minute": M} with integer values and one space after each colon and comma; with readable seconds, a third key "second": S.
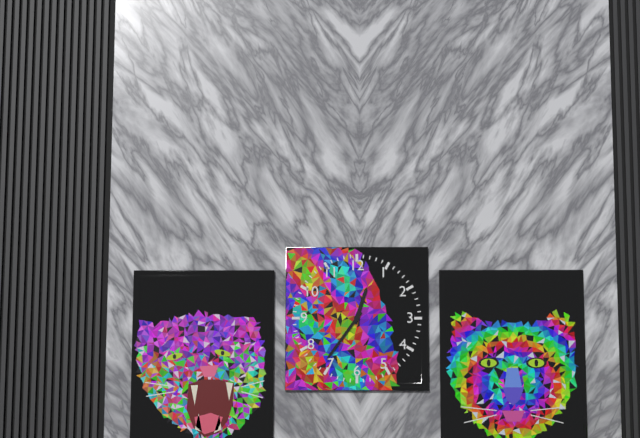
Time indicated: {"hour": 12, "minute": 36}
